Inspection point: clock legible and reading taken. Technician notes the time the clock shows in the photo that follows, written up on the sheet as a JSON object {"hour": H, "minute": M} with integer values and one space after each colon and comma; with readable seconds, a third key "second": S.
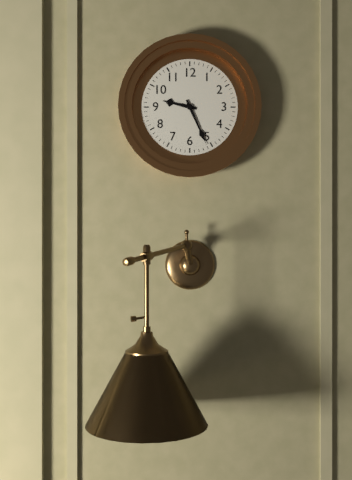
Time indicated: {"hour": 9, "minute": 26}
